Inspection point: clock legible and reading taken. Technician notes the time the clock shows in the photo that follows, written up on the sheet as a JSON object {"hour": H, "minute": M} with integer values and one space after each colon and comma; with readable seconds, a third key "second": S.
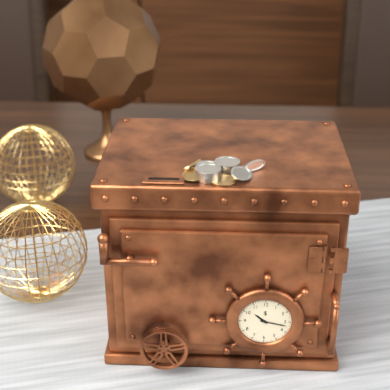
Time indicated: {"hour": 10, "minute": 17}
